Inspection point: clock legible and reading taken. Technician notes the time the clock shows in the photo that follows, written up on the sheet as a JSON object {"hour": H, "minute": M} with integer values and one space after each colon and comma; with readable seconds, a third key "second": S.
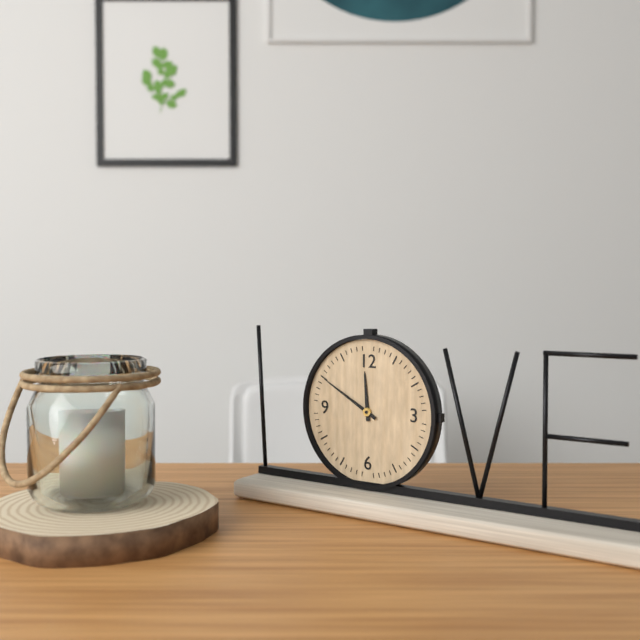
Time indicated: {"hour": 11, "minute": 50}
